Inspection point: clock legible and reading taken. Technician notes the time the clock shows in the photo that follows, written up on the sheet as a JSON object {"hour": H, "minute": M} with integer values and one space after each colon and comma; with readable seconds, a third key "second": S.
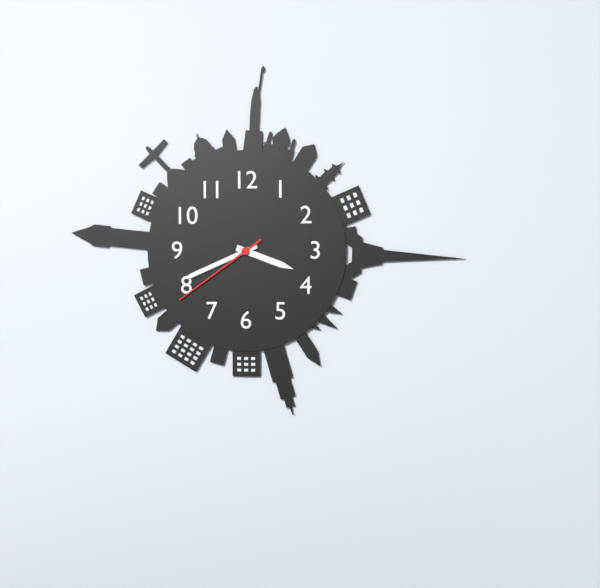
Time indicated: {"hour": 3, "minute": 41, "second": 39}
